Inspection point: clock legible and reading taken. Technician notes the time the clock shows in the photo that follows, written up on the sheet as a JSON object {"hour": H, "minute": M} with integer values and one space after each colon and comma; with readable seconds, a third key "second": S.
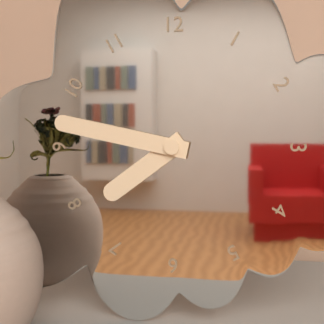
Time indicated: {"hour": 7, "minute": 47}
